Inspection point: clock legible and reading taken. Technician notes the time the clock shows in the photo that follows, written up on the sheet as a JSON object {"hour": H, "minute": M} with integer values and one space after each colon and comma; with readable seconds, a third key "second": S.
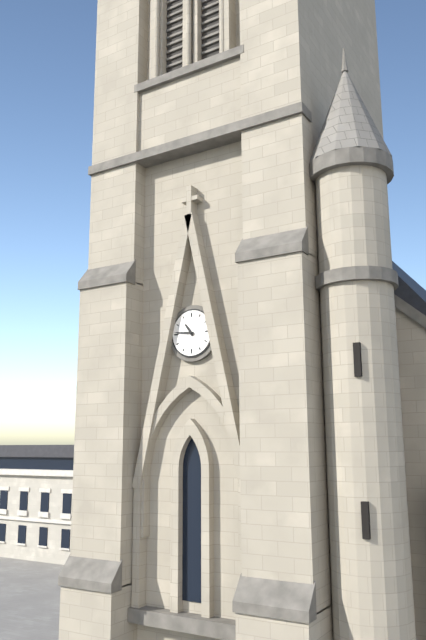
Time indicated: {"hour": 10, "minute": 46}
